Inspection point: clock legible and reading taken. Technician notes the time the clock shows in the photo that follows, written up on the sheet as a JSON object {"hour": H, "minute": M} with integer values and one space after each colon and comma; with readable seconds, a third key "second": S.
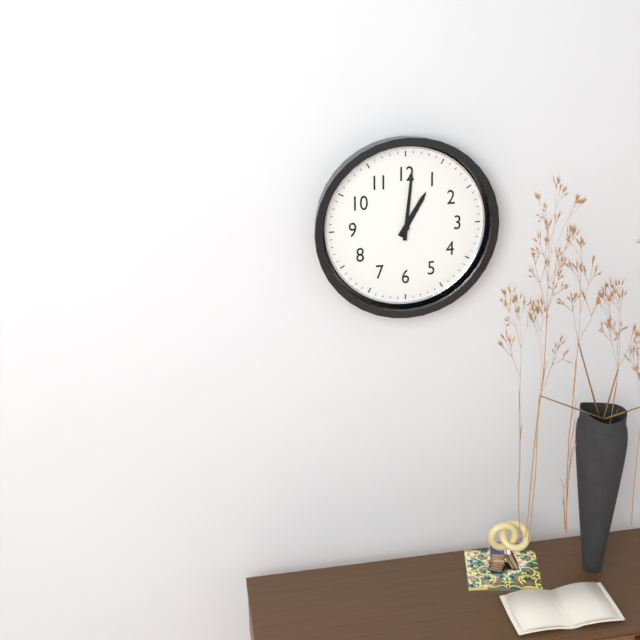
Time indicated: {"hour": 1, "minute": 1}
